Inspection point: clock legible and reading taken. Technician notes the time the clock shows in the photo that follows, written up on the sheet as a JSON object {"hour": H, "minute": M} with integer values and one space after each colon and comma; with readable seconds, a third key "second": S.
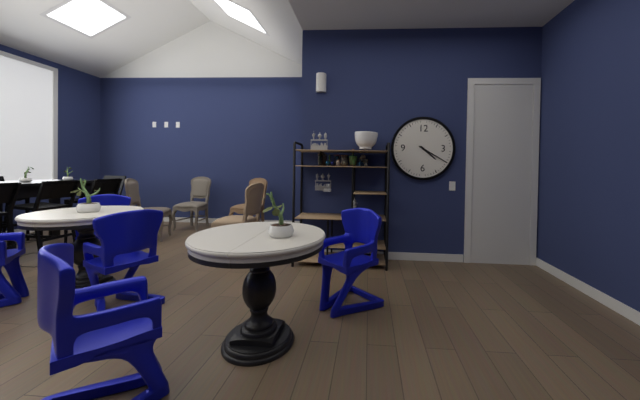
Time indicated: {"hour": 4, "minute": 20}
